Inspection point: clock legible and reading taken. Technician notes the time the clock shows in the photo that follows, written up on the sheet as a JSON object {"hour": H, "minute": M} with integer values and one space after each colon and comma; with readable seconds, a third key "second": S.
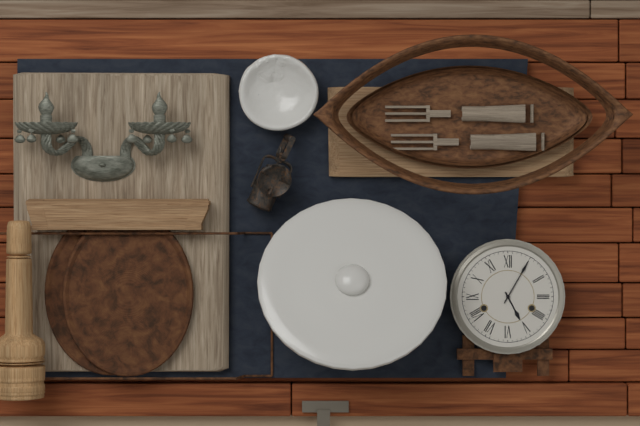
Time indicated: {"hour": 5, "minute": 5}
